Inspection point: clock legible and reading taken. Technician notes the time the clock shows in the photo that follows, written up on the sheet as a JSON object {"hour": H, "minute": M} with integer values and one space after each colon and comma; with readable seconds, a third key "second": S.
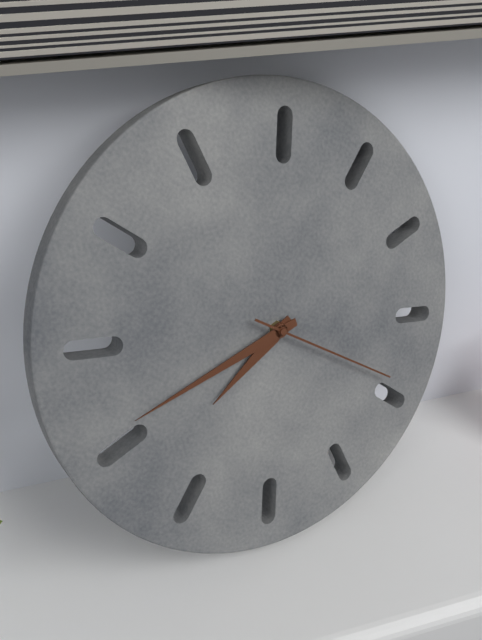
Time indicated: {"hour": 6, "minute": 36, "second": 14}
